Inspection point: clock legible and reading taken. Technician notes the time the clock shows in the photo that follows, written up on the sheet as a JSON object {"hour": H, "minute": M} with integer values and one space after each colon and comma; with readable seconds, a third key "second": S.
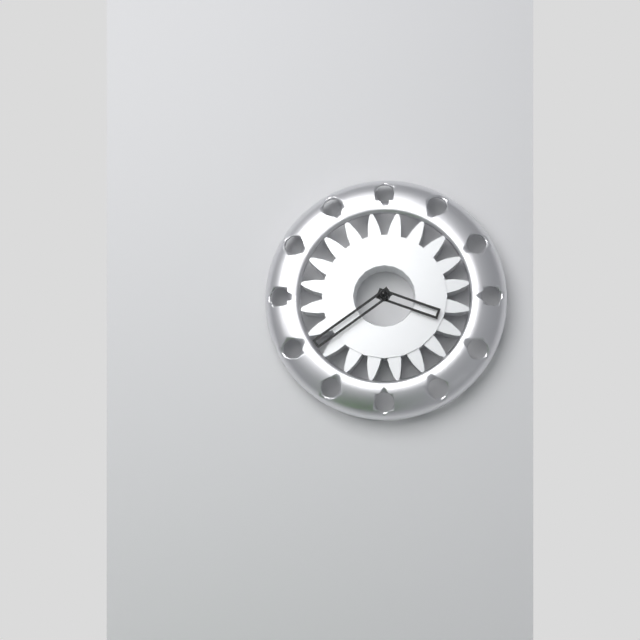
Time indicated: {"hour": 3, "minute": 39}
